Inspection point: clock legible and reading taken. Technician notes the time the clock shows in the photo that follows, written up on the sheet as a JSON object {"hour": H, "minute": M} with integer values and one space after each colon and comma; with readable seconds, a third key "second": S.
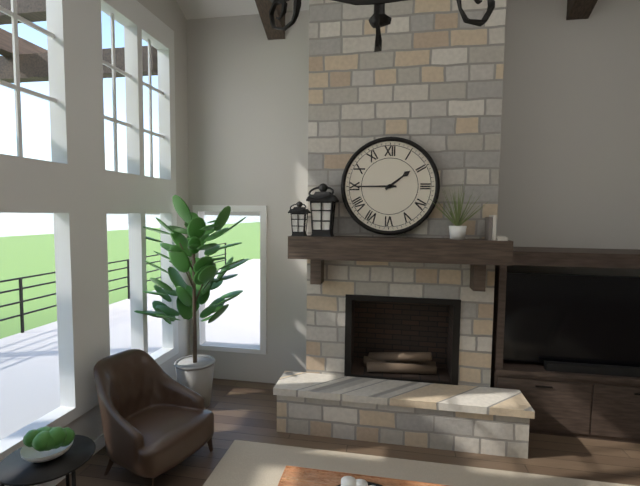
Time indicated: {"hour": 1, "minute": 45}
